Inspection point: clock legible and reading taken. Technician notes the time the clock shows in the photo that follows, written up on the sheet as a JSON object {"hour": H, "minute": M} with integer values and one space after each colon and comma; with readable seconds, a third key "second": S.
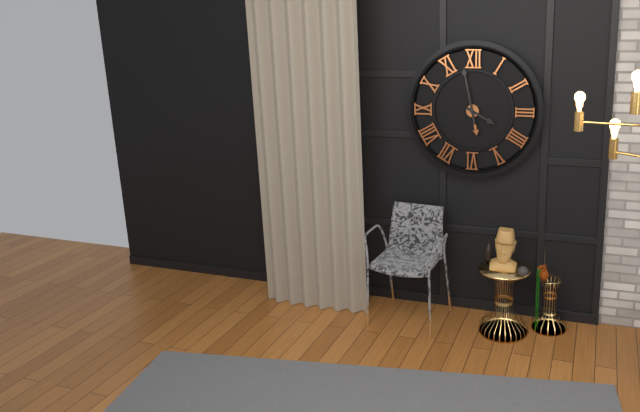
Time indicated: {"hour": 3, "minute": 58}
